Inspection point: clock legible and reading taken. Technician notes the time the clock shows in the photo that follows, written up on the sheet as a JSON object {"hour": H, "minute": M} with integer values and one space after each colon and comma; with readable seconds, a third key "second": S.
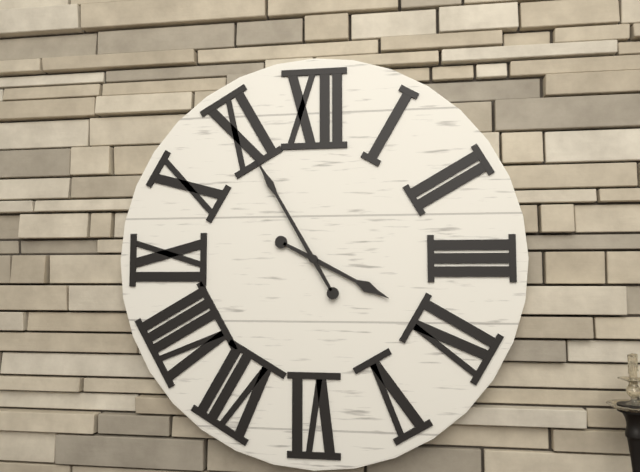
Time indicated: {"hour": 3, "minute": 55}
